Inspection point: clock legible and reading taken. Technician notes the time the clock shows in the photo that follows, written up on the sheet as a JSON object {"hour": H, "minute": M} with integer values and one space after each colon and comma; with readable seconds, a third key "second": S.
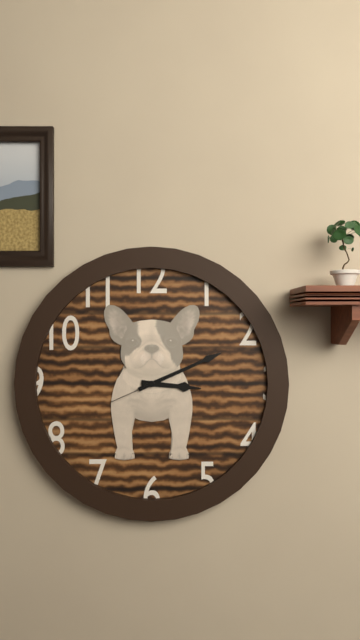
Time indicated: {"hour": 3, "minute": 11, "second": 41}
